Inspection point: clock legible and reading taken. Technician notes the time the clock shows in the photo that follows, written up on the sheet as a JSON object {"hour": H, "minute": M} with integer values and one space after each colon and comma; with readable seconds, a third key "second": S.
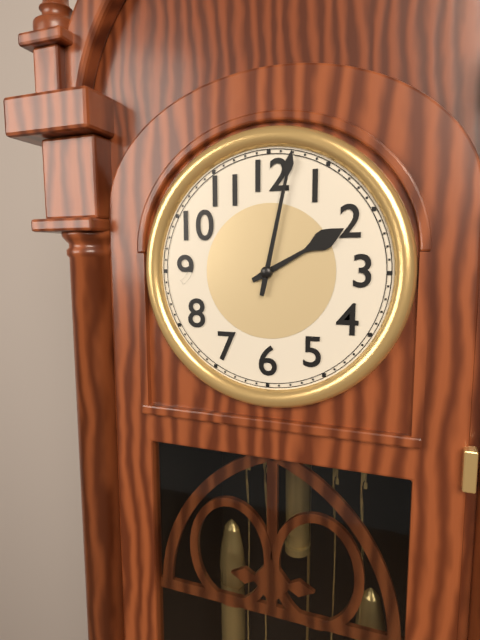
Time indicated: {"hour": 2, "minute": 2}
